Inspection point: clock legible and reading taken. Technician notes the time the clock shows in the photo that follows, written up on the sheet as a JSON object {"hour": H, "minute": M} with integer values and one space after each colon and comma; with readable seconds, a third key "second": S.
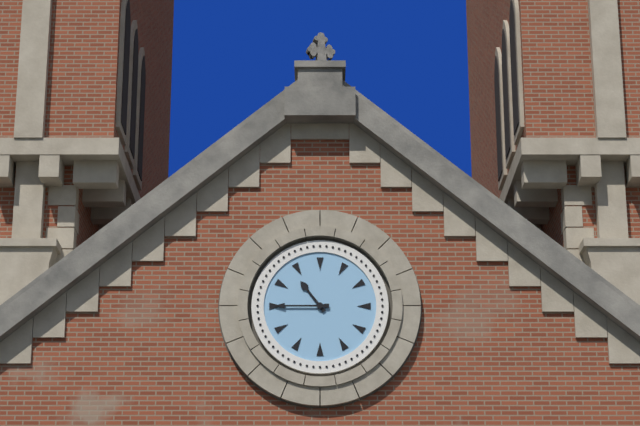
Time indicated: {"hour": 10, "minute": 45}
